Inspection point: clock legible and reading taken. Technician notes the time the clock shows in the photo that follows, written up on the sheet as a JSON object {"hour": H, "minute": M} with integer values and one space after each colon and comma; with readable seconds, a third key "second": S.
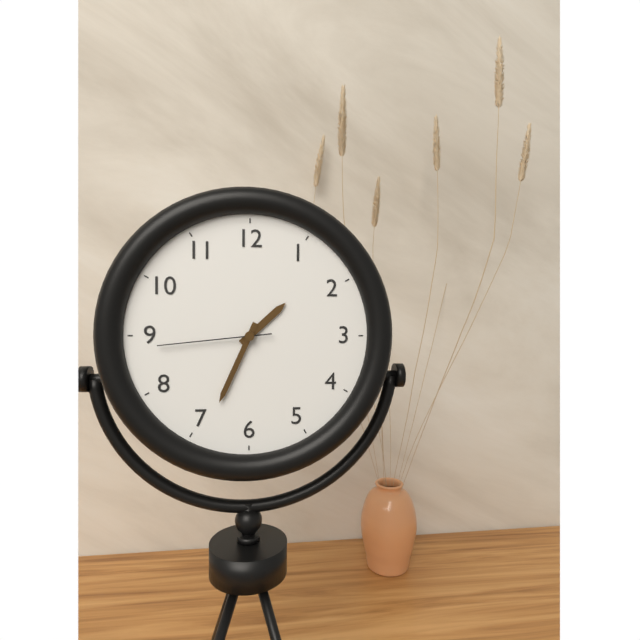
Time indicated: {"hour": 1, "minute": 34, "second": 44}
